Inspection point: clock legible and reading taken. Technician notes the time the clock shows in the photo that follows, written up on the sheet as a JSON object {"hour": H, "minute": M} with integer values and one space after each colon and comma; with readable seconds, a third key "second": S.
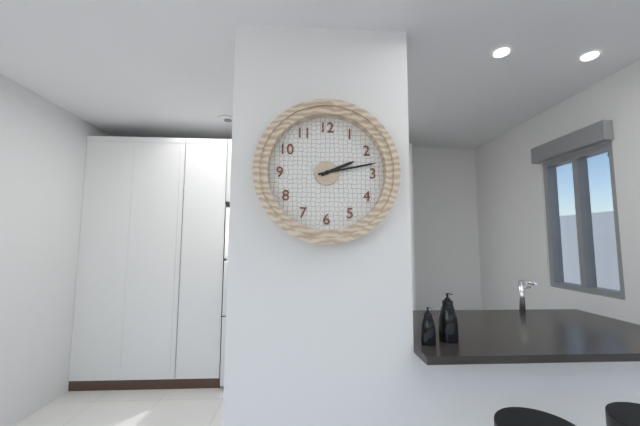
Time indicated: {"hour": 2, "minute": 13}
